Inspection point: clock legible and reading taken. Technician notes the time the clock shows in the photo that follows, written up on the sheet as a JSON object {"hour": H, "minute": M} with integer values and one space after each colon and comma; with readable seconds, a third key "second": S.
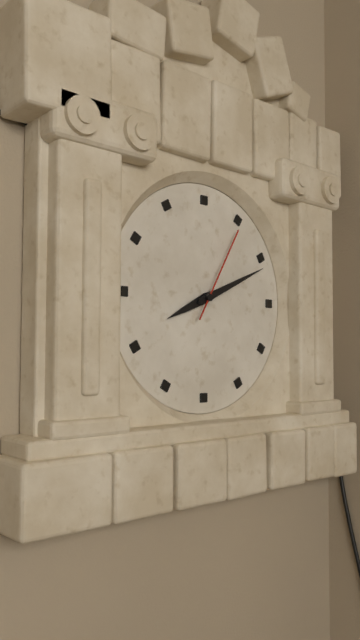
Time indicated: {"hour": 8, "minute": 11, "second": 5}
